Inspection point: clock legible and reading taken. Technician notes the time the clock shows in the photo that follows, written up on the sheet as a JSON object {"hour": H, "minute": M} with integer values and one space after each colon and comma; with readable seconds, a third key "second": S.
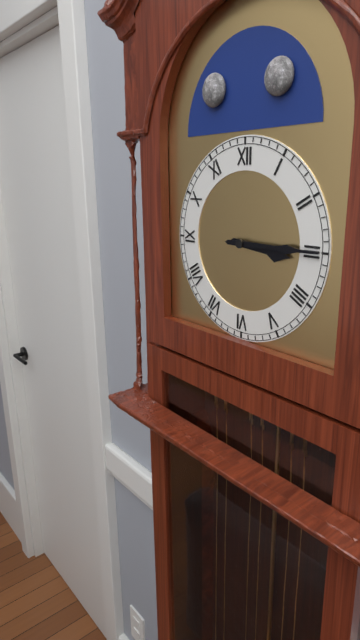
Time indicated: {"hour": 3, "minute": 15}
